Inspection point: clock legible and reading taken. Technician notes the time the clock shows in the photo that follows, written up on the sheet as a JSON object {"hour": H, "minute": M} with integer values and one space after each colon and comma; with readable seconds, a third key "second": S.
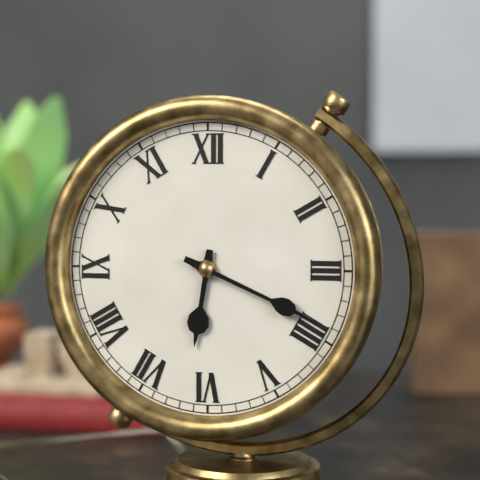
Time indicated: {"hour": 6, "minute": 19}
